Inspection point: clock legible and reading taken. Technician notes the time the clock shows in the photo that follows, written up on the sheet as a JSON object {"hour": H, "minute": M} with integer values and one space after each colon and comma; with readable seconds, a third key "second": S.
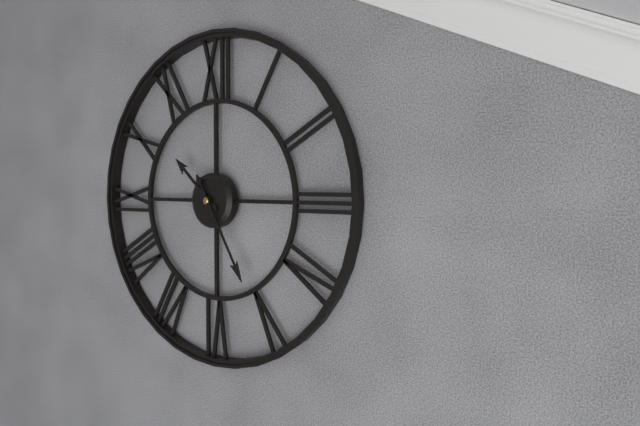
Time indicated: {"hour": 10, "minute": 25}
